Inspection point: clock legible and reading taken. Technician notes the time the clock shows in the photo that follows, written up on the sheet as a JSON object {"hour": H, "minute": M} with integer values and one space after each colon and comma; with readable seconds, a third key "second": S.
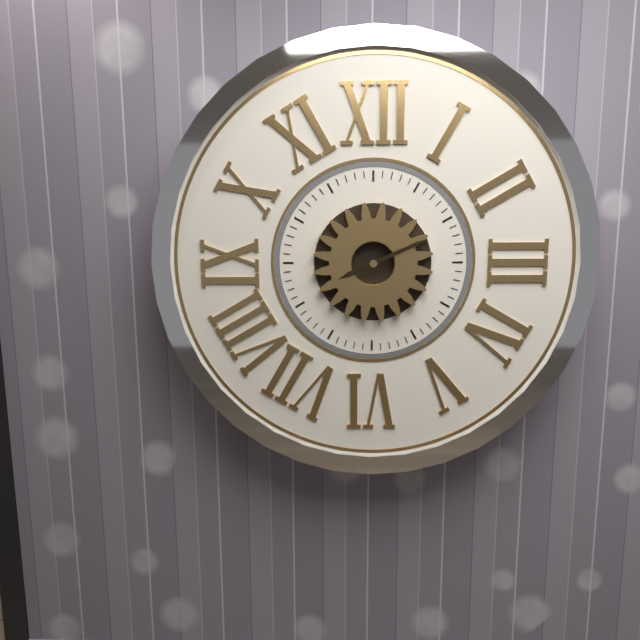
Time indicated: {"hour": 8, "minute": 11}
